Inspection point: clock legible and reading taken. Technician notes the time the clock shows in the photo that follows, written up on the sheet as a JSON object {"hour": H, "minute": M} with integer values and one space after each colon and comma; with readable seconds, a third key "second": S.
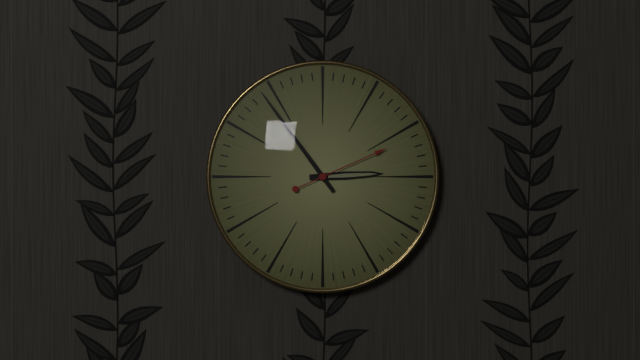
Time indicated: {"hour": 2, "minute": 54, "second": 11}
